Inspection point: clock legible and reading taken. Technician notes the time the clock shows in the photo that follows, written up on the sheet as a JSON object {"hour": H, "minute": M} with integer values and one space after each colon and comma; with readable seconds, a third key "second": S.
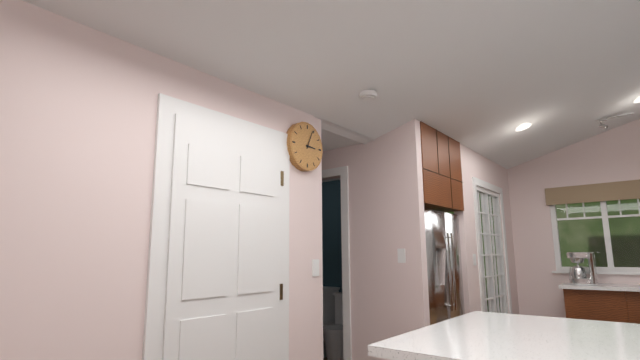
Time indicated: {"hour": 3, "minute": 4}
